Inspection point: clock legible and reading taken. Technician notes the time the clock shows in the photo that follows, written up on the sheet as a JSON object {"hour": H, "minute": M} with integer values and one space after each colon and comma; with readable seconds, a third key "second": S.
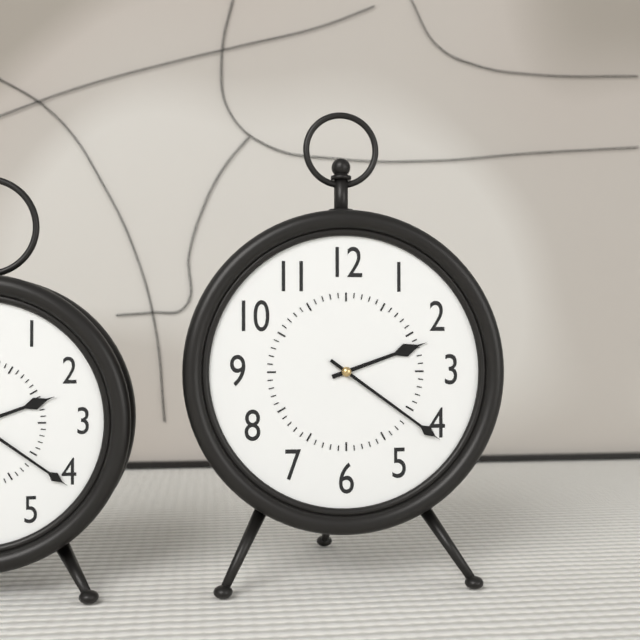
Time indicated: {"hour": 2, "minute": 21}
